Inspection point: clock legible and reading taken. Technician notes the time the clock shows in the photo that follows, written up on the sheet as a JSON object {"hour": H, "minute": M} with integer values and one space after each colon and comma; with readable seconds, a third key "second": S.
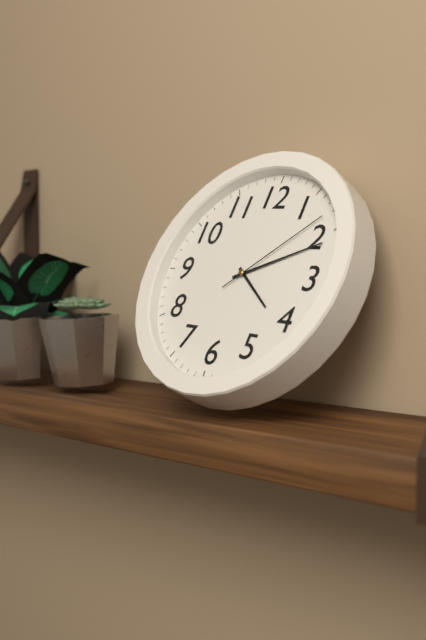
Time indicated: {"hour": 4, "minute": 11, "second": 8}
